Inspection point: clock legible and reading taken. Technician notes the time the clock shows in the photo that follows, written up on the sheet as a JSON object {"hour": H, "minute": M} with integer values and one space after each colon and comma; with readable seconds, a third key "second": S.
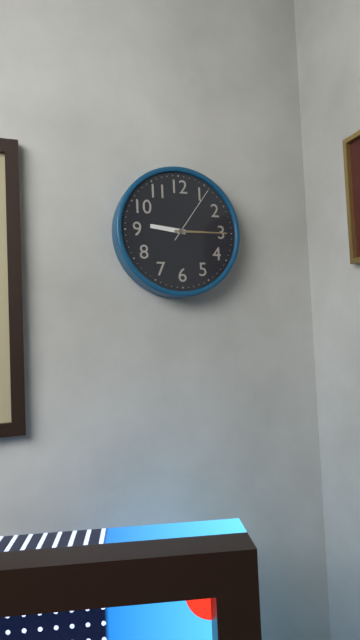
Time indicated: {"hour": 9, "minute": 15, "second": 6}
